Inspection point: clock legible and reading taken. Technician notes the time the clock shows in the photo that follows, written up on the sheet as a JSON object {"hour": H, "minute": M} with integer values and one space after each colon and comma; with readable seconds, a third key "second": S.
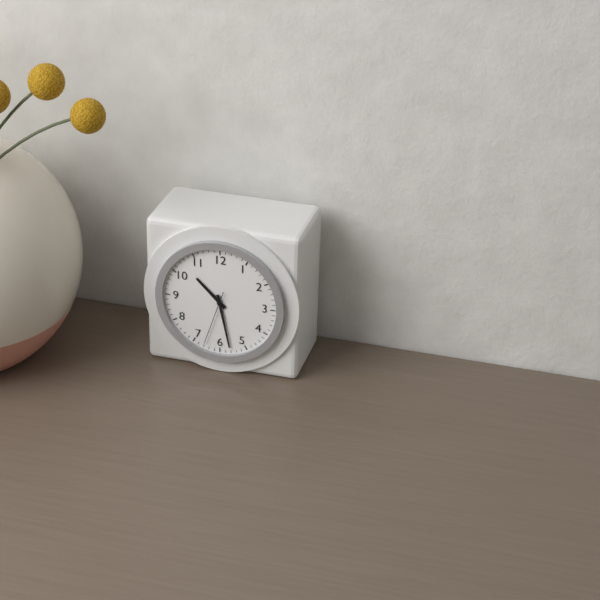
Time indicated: {"hour": 10, "minute": 28, "second": 33}
